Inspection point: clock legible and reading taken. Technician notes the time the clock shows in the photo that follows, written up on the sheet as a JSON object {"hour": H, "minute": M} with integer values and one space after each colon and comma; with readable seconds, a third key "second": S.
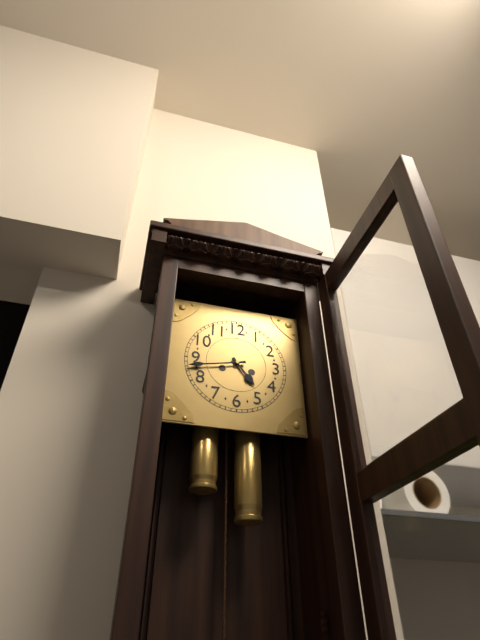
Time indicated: {"hour": 4, "minute": 43}
